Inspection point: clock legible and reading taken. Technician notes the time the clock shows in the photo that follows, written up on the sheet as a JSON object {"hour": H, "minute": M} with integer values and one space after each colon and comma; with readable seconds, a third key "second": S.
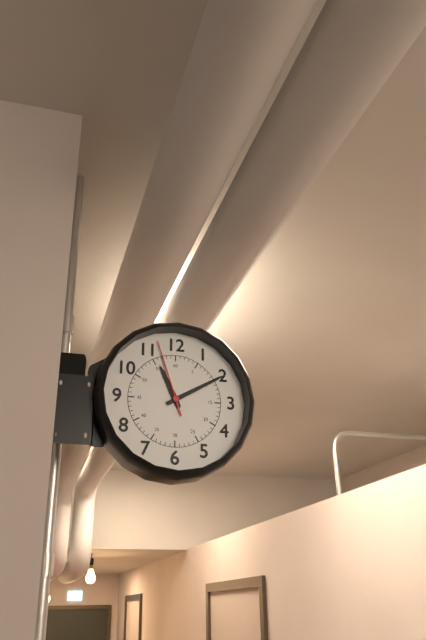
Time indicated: {"hour": 11, "minute": 10, "second": 57}
